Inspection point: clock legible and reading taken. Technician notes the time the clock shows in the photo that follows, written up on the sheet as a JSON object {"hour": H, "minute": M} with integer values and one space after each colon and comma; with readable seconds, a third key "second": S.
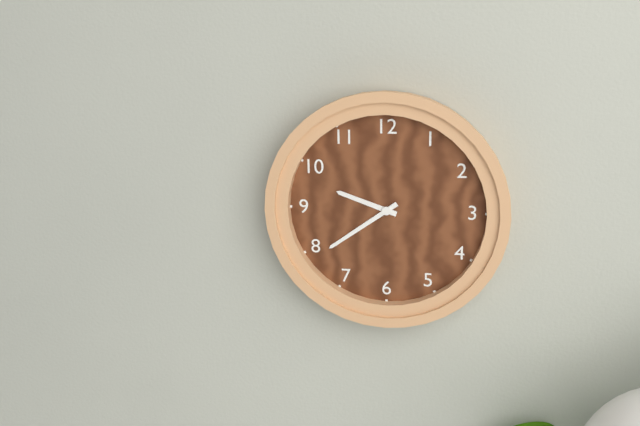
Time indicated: {"hour": 9, "minute": 39}
